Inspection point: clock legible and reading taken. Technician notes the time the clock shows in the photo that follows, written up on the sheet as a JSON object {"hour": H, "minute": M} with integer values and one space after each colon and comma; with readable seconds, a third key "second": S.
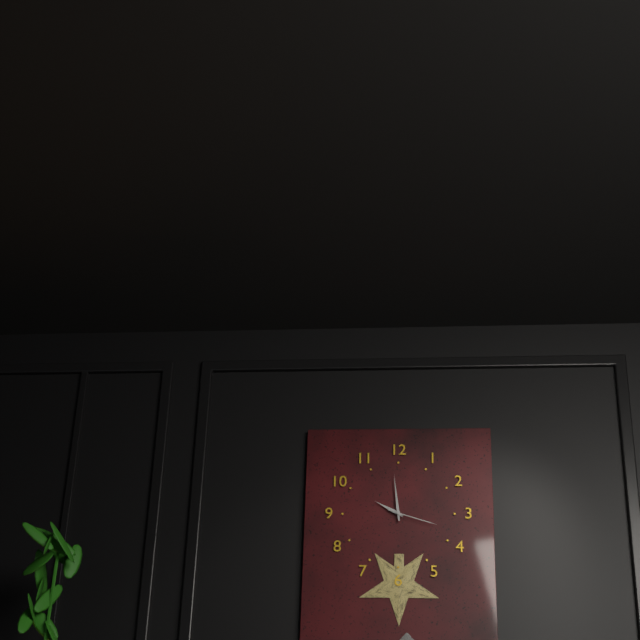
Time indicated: {"hour": 9, "minute": 59, "second": 18}
